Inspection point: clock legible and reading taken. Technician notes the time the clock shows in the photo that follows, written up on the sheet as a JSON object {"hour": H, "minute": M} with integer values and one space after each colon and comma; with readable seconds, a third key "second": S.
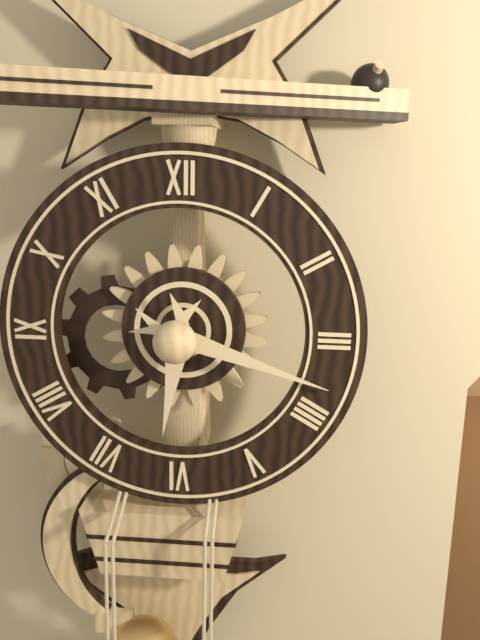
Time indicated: {"hour": 6, "minute": 18}
